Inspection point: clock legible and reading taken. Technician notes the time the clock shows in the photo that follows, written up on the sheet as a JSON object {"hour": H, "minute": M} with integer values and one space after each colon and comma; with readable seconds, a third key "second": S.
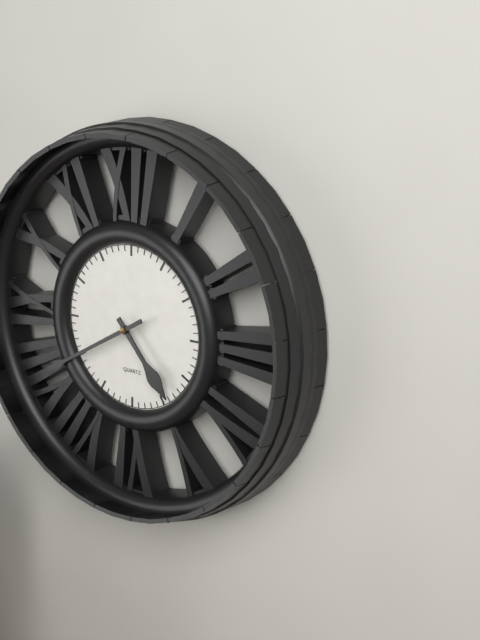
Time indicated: {"hour": 4, "minute": 40}
